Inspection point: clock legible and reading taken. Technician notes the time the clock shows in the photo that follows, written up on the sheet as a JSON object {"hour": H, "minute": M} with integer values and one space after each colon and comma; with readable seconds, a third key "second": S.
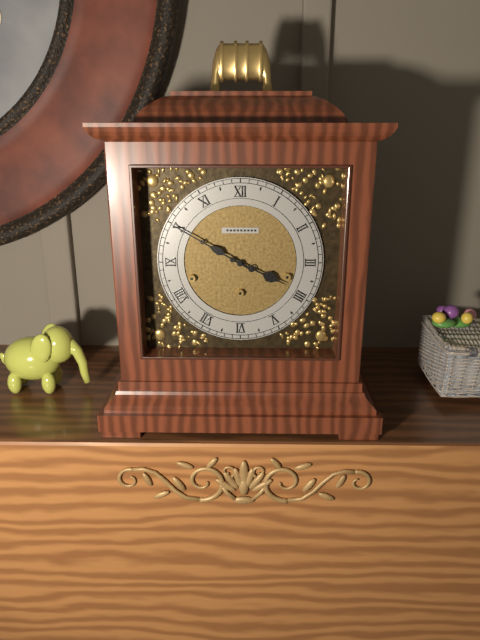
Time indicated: {"hour": 3, "minute": 50}
